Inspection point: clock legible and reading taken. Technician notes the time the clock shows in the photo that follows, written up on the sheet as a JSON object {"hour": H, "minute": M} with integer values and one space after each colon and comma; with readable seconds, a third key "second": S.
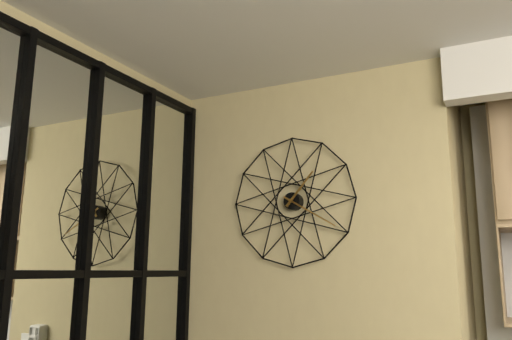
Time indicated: {"hour": 1, "minute": 20}
